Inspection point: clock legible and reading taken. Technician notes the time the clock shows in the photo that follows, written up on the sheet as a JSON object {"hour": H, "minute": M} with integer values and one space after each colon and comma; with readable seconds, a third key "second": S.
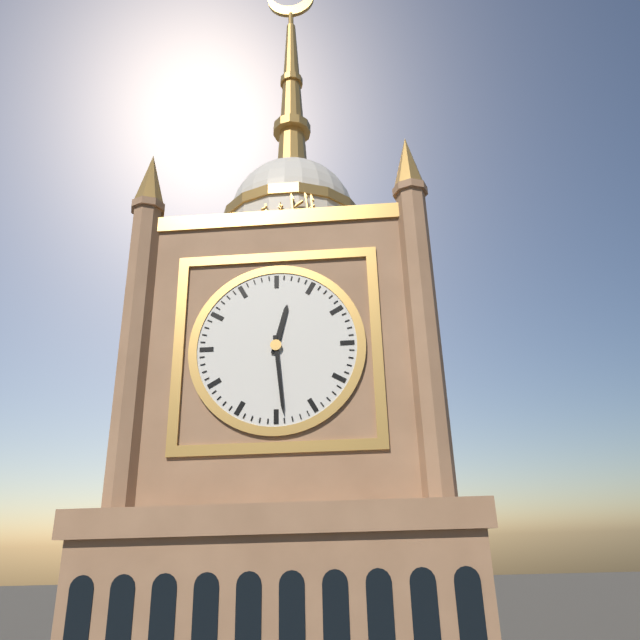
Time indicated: {"hour": 12, "minute": 29}
